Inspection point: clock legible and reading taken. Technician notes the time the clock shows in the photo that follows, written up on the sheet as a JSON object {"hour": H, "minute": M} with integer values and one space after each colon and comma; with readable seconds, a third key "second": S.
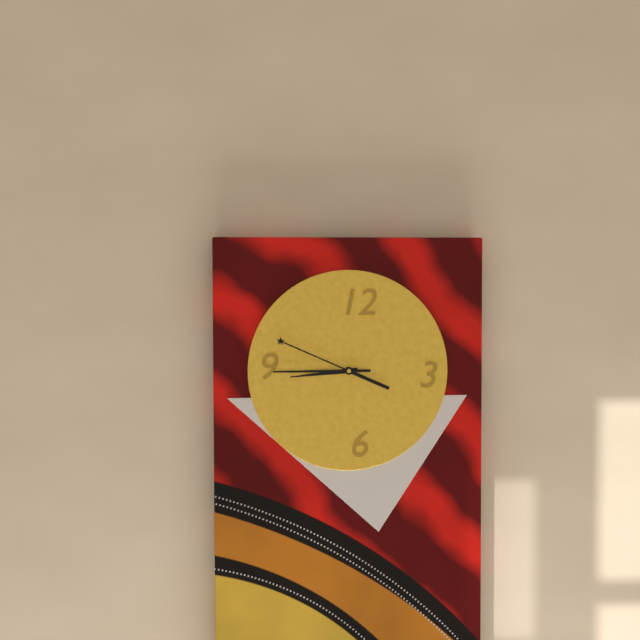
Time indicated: {"hour": 8, "minute": 49, "second": 45}
